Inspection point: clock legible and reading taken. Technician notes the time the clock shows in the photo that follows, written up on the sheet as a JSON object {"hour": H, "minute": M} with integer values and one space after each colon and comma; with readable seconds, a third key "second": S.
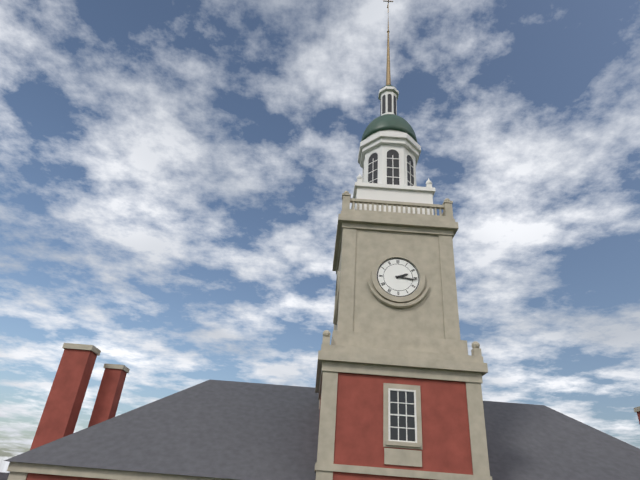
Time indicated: {"hour": 2, "minute": 16}
